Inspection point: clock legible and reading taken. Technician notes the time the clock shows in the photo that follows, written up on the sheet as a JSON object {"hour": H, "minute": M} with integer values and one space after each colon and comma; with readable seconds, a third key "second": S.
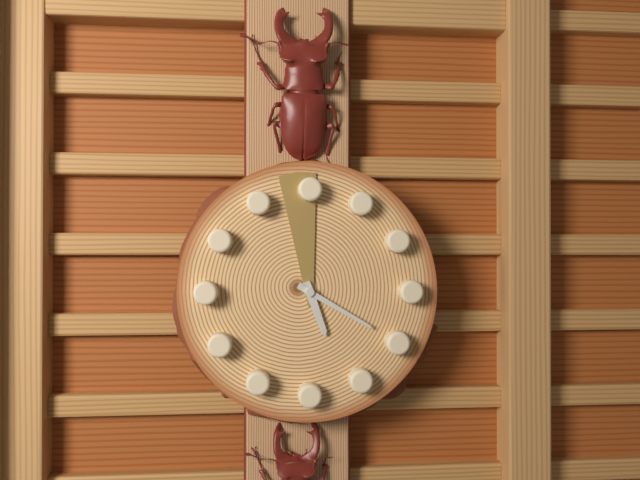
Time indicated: {"hour": 5, "minute": 20, "second": 59}
